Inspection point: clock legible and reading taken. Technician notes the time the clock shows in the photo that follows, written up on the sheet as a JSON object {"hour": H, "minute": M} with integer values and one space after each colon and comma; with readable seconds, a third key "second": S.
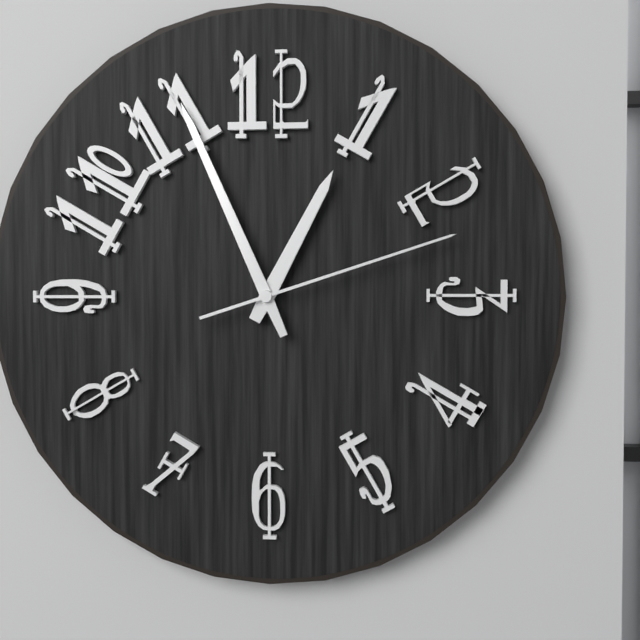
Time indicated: {"hour": 12, "minute": 56, "second": 12}
